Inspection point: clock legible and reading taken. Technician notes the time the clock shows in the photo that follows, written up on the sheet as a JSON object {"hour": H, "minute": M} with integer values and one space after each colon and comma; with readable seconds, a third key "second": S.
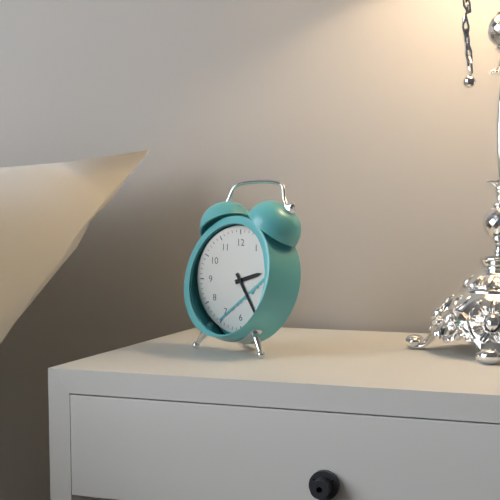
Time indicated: {"hour": 2, "minute": 25}
